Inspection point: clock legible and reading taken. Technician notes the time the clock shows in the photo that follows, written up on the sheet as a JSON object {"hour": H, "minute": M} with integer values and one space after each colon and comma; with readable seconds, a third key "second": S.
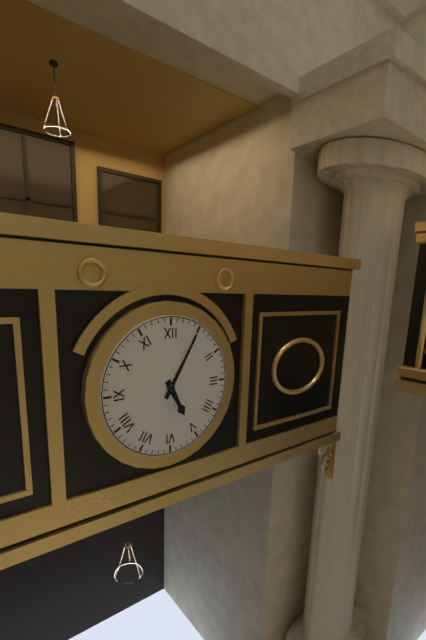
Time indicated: {"hour": 5, "minute": 5}
